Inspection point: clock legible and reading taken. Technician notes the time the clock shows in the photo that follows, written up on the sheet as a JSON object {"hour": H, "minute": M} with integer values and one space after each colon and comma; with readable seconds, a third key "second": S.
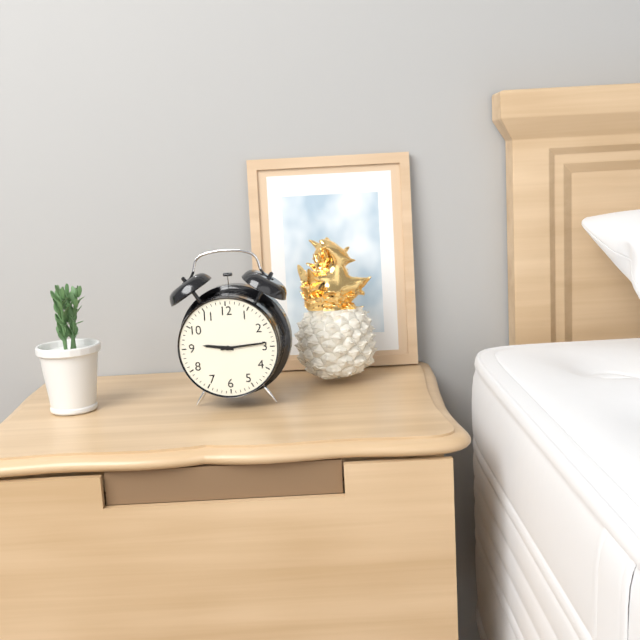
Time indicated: {"hour": 9, "minute": 14}
